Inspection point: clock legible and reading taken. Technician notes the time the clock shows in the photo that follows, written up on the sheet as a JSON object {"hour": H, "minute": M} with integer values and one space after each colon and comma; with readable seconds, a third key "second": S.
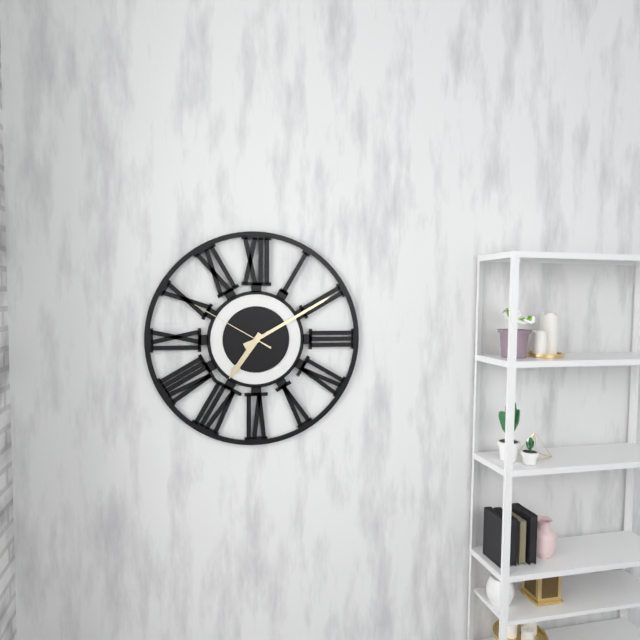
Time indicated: {"hour": 7, "minute": 10, "second": 50}
